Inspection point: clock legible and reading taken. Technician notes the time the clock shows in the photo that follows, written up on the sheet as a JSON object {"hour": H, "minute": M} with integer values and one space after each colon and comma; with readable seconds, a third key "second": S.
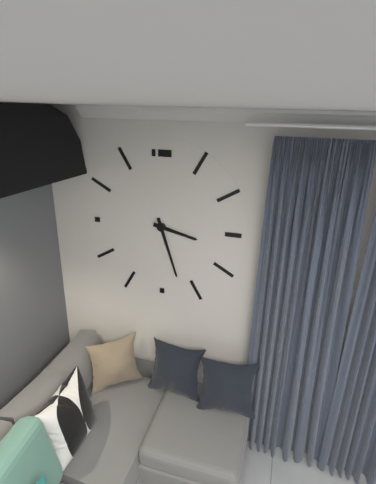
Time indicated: {"hour": 3, "minute": 27}
